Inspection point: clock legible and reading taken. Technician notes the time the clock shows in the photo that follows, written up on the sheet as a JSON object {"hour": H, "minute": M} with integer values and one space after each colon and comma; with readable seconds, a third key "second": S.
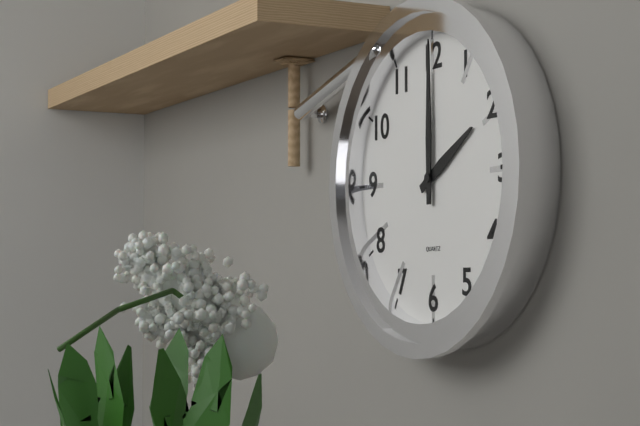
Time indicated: {"hour": 2, "minute": 0}
